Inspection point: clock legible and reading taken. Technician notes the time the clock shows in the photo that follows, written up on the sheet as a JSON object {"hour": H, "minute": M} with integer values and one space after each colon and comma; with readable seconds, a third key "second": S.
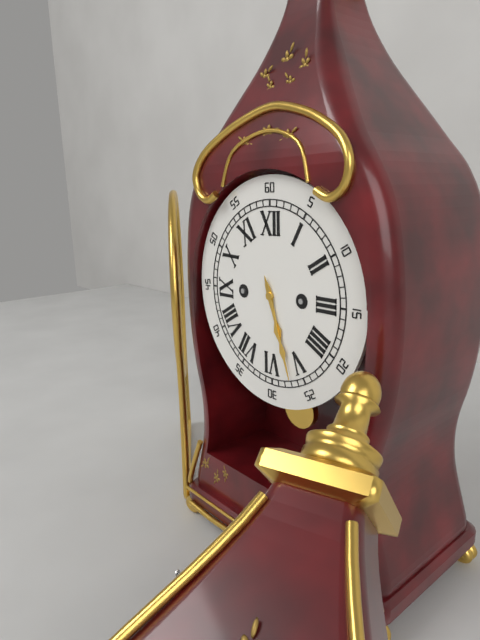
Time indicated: {"hour": 5, "minute": 27}
